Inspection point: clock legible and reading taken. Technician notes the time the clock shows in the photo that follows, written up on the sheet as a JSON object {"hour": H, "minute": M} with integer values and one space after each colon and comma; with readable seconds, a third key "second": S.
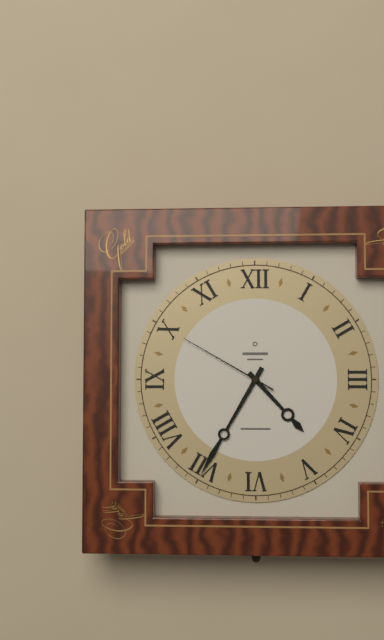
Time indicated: {"hour": 4, "minute": 35, "second": 50}
